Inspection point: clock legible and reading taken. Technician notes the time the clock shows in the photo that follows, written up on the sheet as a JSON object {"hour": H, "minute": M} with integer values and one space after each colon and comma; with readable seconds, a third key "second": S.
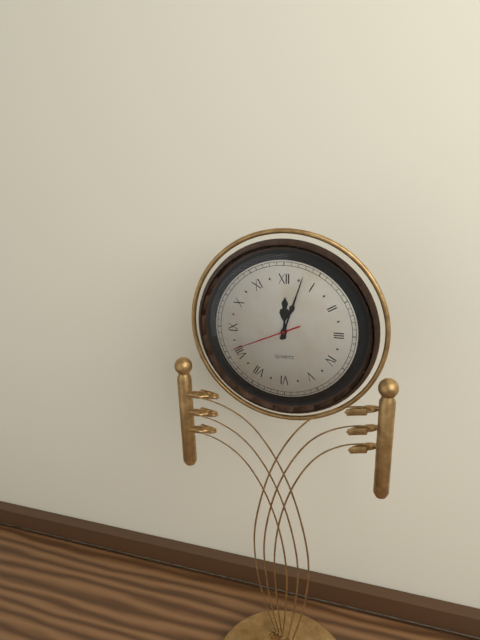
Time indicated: {"hour": 12, "minute": 3, "second": 41}
